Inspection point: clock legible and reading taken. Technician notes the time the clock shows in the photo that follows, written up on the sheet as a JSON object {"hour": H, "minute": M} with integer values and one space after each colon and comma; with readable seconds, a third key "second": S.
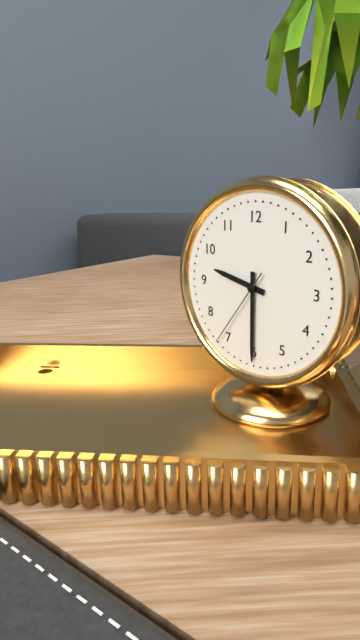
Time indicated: {"hour": 9, "minute": 30, "second": 36}
